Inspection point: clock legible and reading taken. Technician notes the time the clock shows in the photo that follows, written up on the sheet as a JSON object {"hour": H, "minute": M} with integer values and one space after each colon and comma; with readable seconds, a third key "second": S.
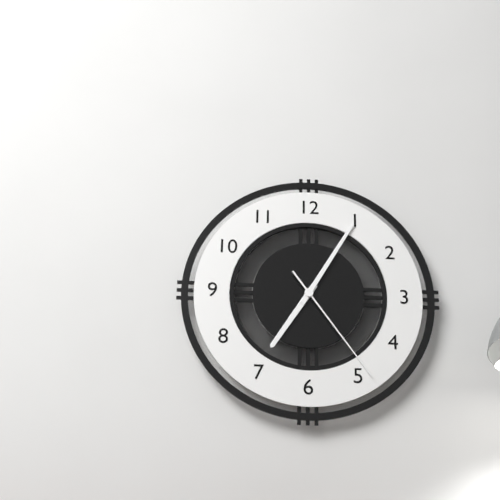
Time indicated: {"hour": 7, "minute": 5, "second": 24}
